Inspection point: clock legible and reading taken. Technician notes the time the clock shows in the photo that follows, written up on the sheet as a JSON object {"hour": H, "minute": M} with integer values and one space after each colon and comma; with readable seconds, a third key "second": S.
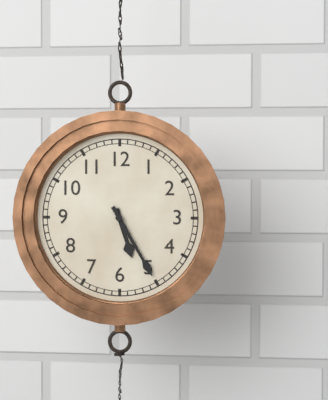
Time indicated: {"hour": 5, "minute": 25}
